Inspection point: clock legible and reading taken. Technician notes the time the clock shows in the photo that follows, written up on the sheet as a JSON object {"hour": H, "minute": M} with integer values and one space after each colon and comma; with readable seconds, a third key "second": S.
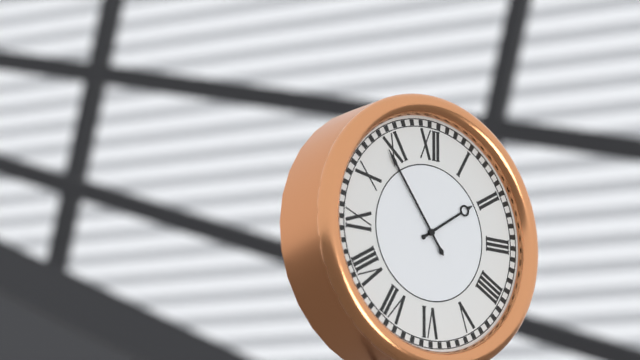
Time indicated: {"hour": 1, "minute": 54}
